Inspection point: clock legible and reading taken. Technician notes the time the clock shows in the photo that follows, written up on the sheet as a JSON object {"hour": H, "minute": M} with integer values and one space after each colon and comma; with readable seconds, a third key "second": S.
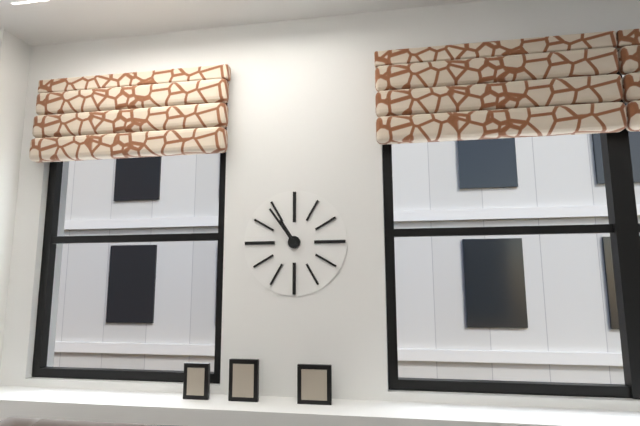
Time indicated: {"hour": 10, "minute": 54}
